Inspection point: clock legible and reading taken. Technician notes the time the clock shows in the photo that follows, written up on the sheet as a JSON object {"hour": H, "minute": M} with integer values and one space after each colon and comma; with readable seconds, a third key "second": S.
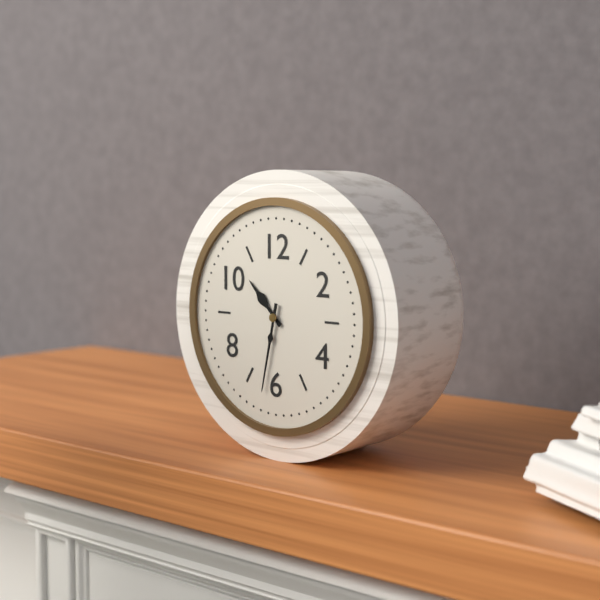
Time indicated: {"hour": 10, "minute": 32}
